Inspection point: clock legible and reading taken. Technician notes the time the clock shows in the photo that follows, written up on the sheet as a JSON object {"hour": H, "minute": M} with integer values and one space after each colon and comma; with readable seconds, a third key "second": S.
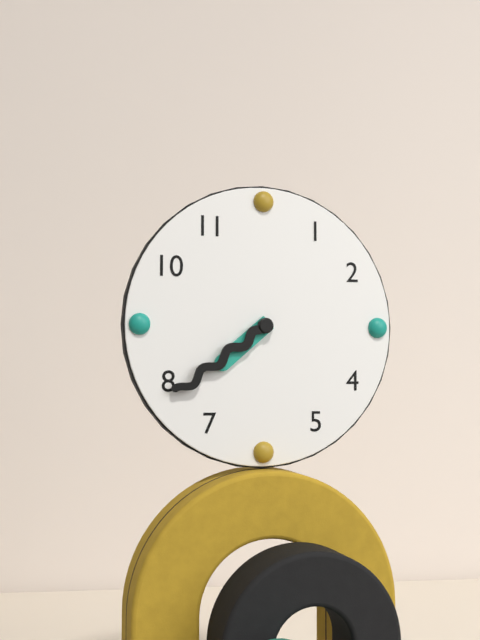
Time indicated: {"hour": 7, "minute": 39}
